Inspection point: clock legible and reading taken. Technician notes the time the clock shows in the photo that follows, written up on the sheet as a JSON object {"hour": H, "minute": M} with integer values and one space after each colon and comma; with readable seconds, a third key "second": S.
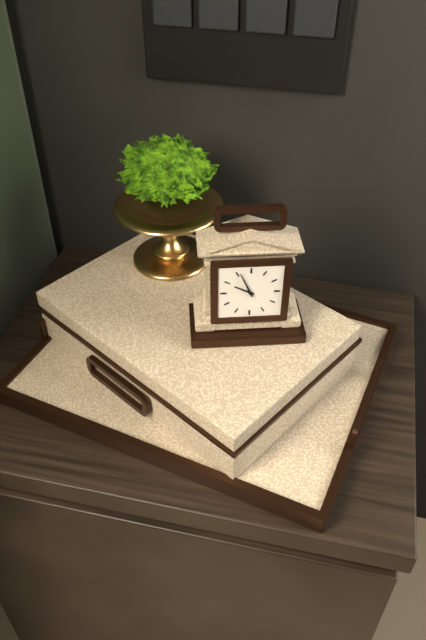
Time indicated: {"hour": 9, "minute": 56}
